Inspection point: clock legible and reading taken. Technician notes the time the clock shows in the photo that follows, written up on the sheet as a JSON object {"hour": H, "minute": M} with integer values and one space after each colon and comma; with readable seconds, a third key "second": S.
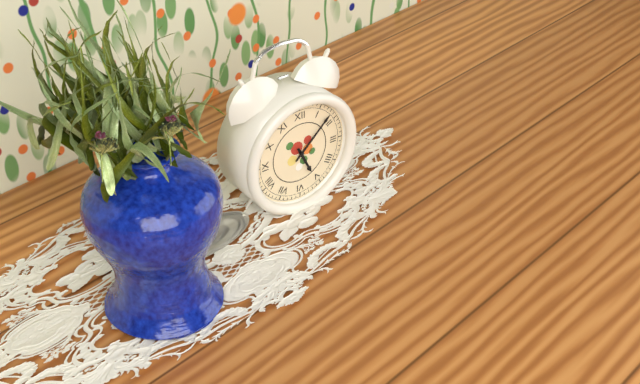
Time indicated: {"hour": 5, "minute": 8}
